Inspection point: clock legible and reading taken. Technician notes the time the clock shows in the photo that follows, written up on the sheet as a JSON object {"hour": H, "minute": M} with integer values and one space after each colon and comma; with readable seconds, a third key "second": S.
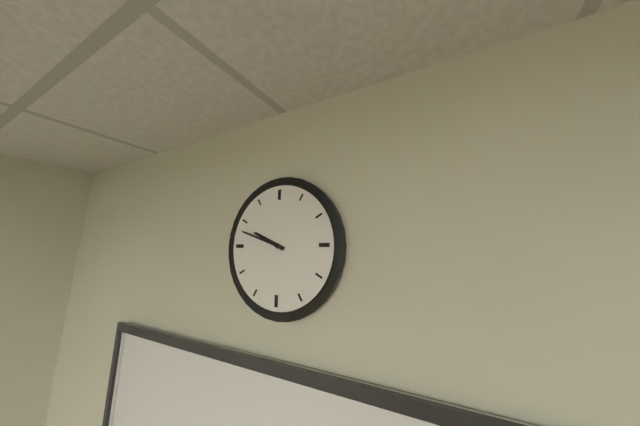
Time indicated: {"hour": 9, "minute": 48}
